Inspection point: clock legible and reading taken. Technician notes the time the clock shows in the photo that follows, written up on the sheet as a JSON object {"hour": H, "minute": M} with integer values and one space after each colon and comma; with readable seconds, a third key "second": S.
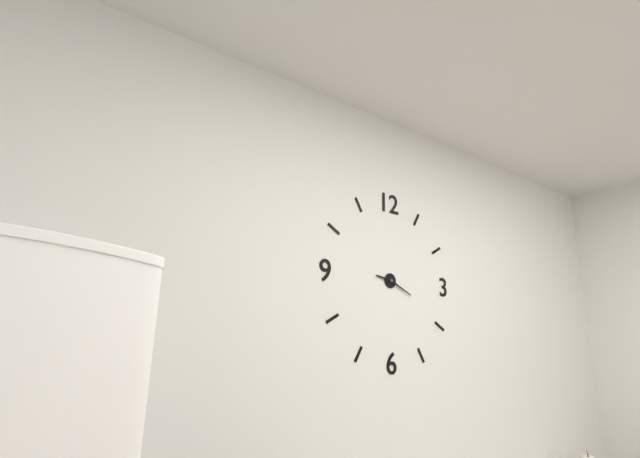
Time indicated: {"hour": 9, "minute": 19}
